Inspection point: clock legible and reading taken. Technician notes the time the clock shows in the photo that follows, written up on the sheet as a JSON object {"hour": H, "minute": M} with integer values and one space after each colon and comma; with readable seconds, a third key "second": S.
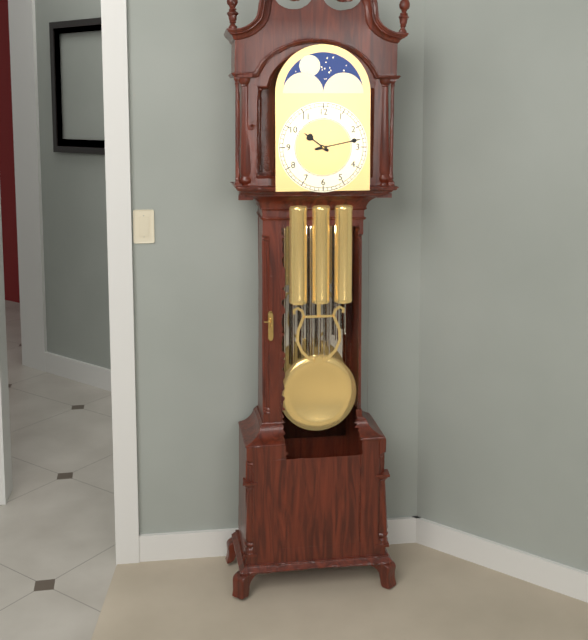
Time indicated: {"hour": 10, "minute": 13}
